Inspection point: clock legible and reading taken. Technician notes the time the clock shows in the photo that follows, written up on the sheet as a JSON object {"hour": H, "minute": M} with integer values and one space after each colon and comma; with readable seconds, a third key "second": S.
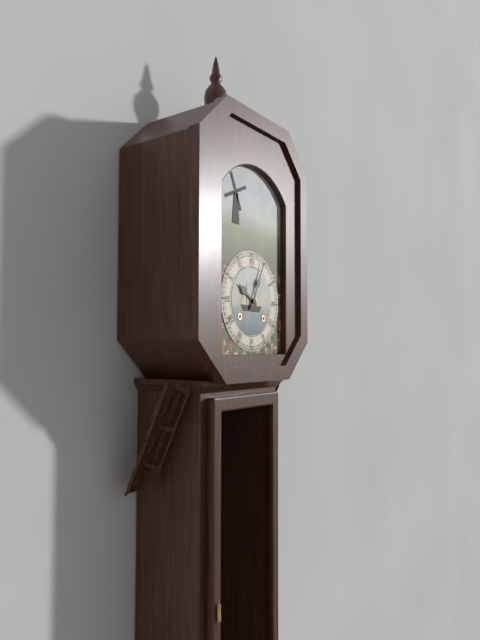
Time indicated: {"hour": 10, "minute": 4}
